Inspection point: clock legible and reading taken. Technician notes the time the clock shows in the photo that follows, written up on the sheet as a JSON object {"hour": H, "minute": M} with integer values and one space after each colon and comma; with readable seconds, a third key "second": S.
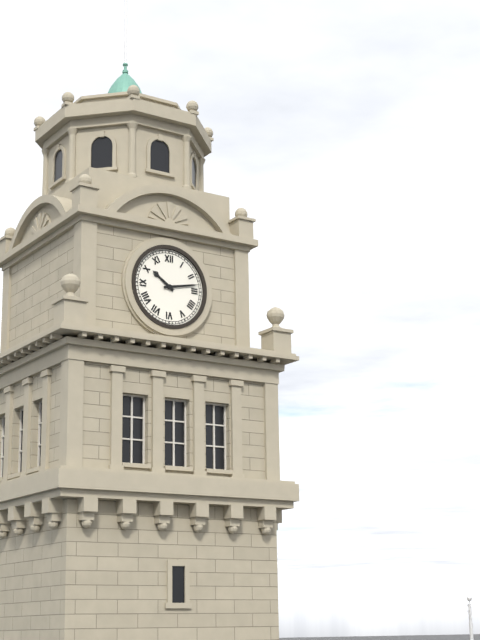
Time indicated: {"hour": 10, "minute": 13}
